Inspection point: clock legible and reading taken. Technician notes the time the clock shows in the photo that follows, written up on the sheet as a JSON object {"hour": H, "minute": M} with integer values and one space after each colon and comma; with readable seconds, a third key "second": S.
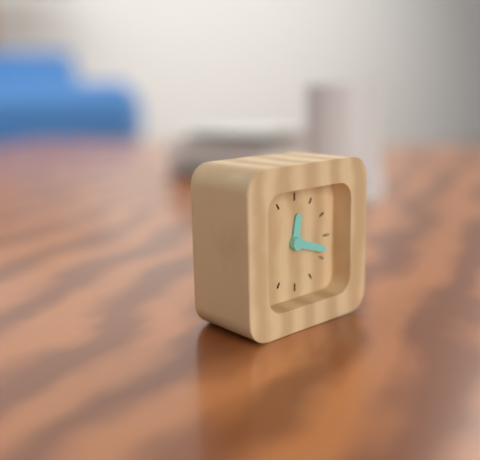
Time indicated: {"hour": 12, "minute": 18}
